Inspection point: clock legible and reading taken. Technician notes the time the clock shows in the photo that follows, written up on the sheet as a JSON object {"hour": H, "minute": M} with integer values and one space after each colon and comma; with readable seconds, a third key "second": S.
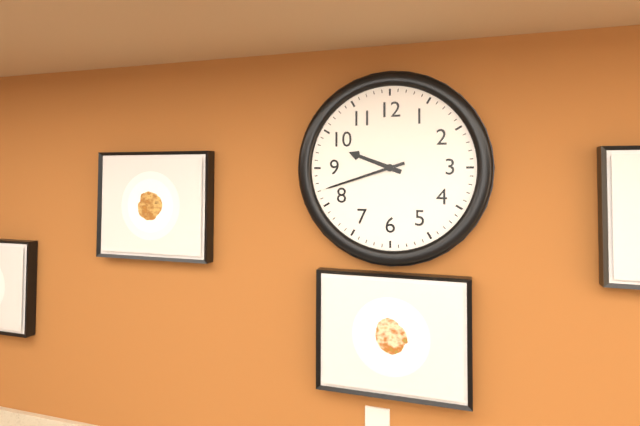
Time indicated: {"hour": 9, "minute": 42}
